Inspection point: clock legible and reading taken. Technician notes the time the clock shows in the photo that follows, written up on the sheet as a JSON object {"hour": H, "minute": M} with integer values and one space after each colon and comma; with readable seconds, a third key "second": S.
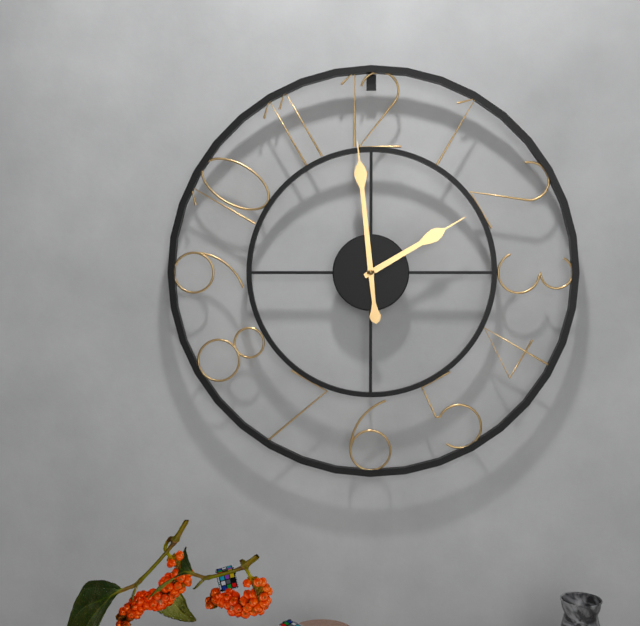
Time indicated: {"hour": 1, "minute": 59}
